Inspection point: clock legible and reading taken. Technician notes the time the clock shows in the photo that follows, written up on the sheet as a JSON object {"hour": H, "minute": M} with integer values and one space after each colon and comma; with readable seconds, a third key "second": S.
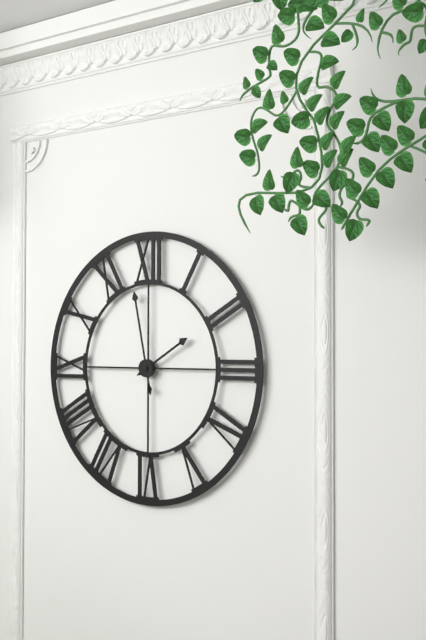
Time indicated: {"hour": 1, "minute": 58}
